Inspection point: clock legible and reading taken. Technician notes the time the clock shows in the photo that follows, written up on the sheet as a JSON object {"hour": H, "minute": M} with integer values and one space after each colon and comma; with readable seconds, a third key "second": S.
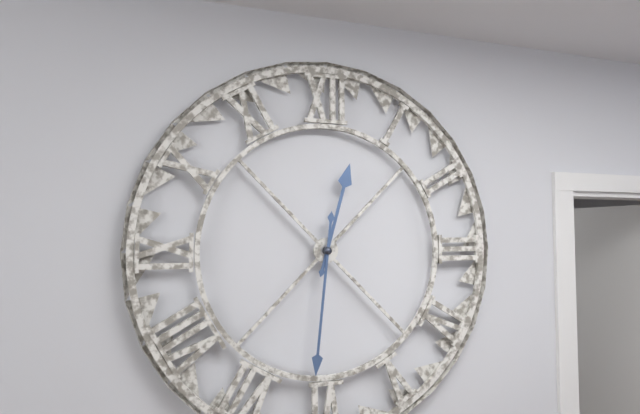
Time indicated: {"hour": 12, "minute": 31}
